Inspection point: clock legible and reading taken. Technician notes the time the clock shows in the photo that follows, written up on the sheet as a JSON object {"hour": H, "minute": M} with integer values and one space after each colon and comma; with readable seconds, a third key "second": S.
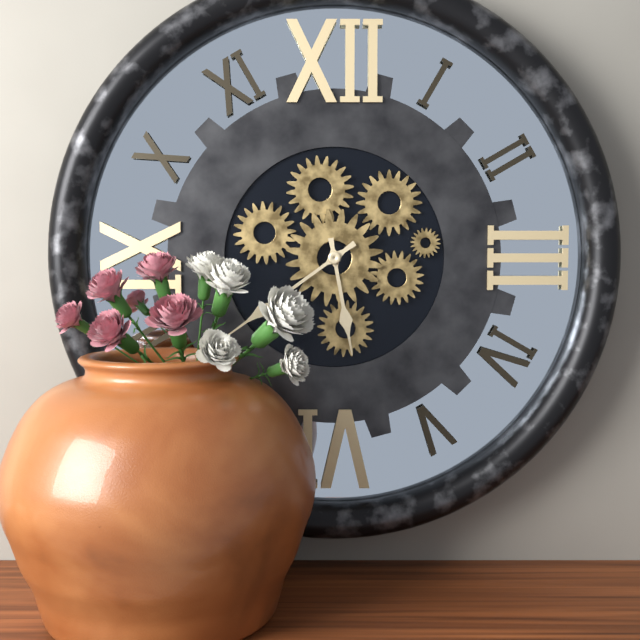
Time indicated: {"hour": 5, "minute": 39}
